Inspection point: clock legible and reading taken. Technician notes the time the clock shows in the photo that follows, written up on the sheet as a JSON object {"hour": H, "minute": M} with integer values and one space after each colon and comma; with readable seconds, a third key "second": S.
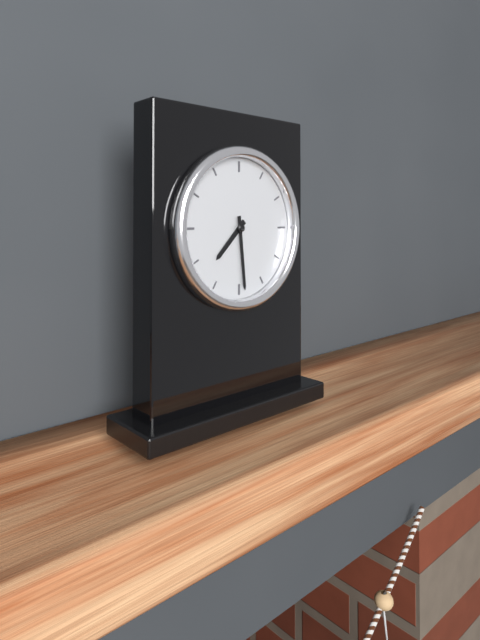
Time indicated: {"hour": 7, "minute": 29}
